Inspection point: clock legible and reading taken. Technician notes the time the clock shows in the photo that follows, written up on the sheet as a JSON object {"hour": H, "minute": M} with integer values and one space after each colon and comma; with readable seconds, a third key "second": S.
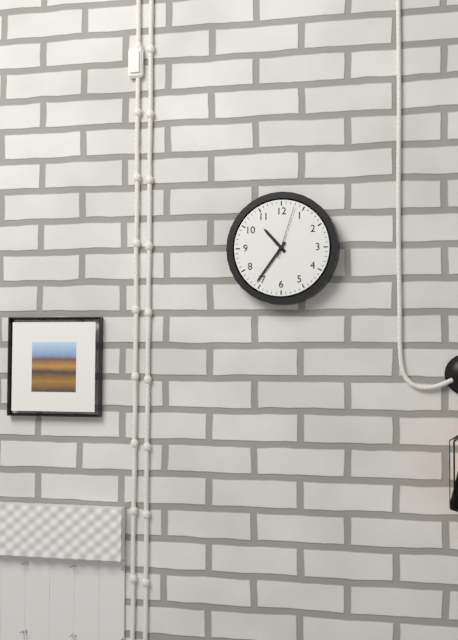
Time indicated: {"hour": 10, "minute": 36, "second": 3}
